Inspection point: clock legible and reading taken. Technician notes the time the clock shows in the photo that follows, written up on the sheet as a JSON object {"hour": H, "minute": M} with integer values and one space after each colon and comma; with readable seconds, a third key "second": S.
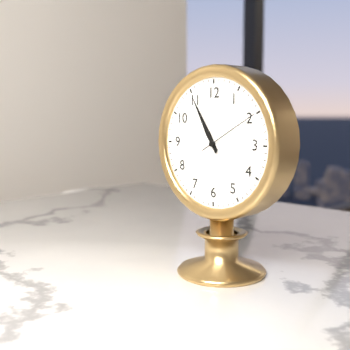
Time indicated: {"hour": 10, "minute": 55, "second": 10}
